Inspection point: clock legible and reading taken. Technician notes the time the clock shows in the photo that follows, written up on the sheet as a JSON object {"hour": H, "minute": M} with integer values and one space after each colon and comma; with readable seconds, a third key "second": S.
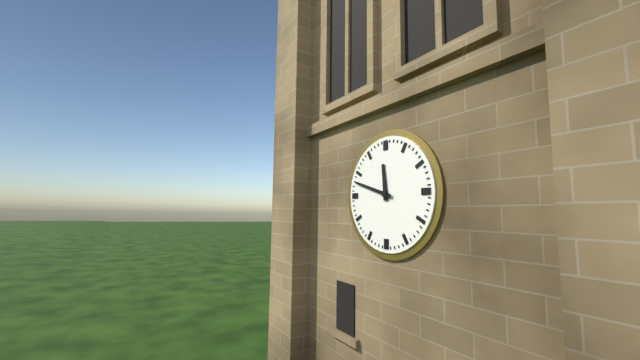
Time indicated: {"hour": 11, "minute": 48}
